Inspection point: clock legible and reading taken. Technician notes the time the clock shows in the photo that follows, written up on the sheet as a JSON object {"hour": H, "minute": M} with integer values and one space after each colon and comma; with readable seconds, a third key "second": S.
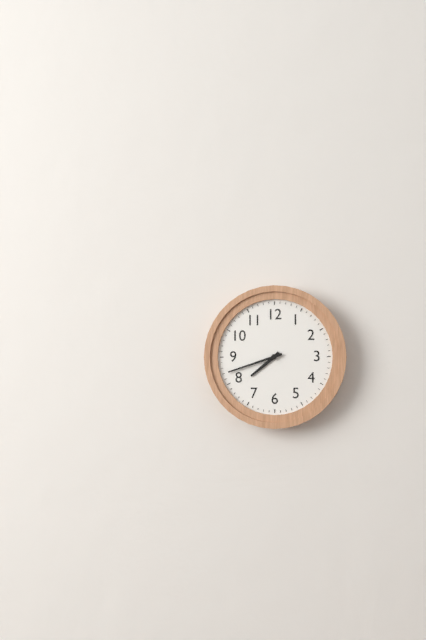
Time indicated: {"hour": 7, "minute": 42}
